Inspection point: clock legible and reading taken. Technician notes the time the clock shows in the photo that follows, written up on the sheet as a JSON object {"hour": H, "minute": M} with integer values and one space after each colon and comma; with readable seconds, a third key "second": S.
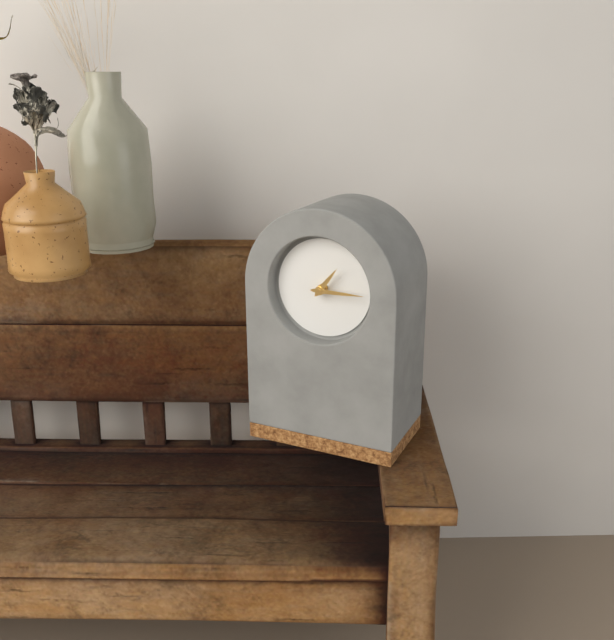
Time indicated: {"hour": 1, "minute": 15}
